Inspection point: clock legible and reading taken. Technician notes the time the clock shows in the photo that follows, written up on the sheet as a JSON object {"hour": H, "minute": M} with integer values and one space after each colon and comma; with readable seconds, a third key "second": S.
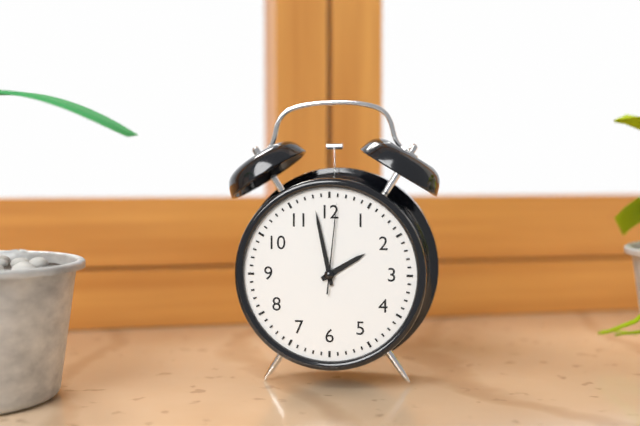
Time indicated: {"hour": 1, "minute": 58, "second": 1}
